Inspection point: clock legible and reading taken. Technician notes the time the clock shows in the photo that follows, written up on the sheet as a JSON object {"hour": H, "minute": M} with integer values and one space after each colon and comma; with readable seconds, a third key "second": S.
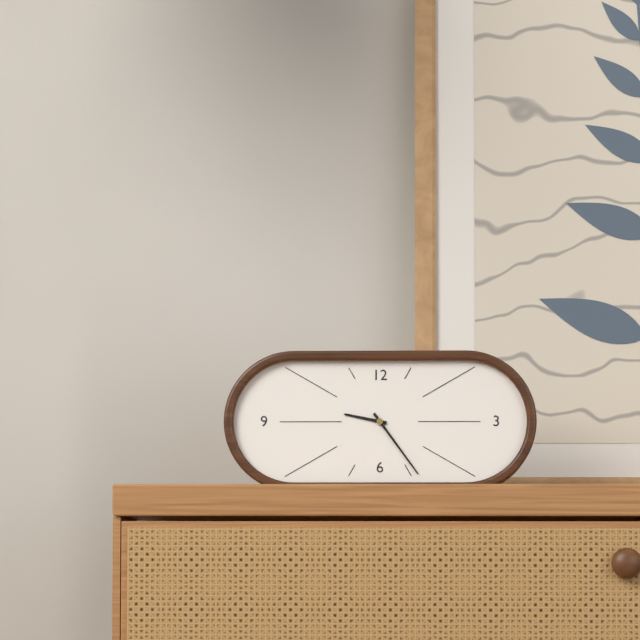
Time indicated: {"hour": 9, "minute": 24}
